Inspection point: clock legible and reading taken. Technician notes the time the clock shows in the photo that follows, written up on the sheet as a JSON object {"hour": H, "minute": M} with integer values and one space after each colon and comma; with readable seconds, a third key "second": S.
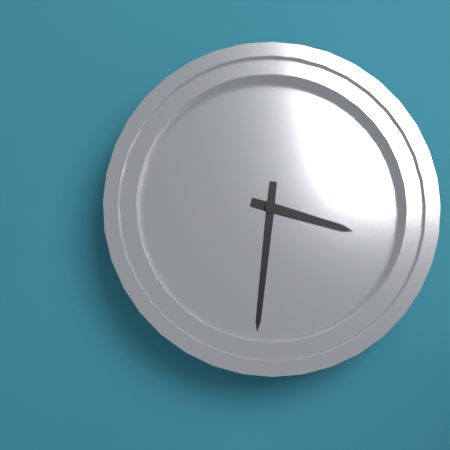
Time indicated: {"hour": 3, "minute": 31}
